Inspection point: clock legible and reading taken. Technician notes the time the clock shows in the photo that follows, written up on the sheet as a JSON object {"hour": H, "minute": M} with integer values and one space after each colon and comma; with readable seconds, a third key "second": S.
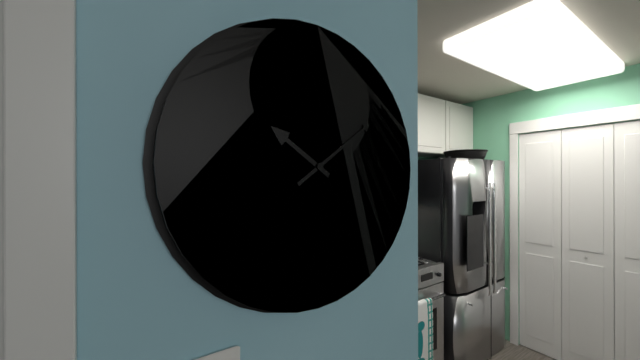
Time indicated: {"hour": 10, "minute": 9}
